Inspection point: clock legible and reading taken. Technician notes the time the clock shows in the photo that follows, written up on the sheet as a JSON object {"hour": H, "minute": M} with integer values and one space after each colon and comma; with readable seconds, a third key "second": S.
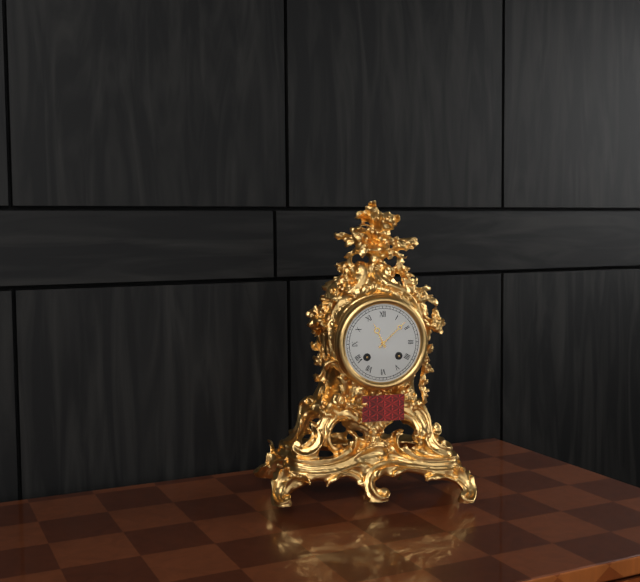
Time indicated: {"hour": 11, "minute": 8}
